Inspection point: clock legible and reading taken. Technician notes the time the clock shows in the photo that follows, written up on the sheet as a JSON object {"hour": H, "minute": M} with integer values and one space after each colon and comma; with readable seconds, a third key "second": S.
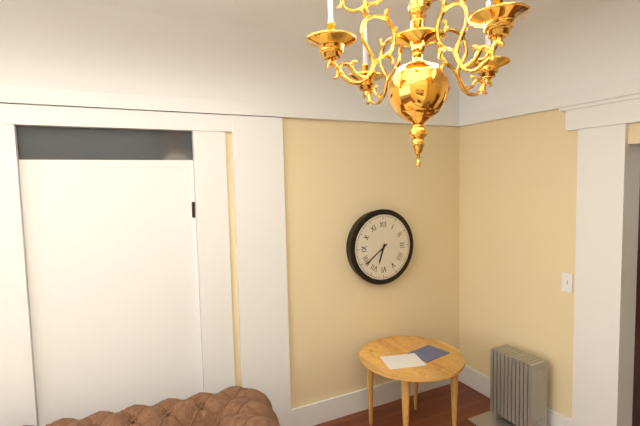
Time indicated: {"hour": 6, "minute": 39}
